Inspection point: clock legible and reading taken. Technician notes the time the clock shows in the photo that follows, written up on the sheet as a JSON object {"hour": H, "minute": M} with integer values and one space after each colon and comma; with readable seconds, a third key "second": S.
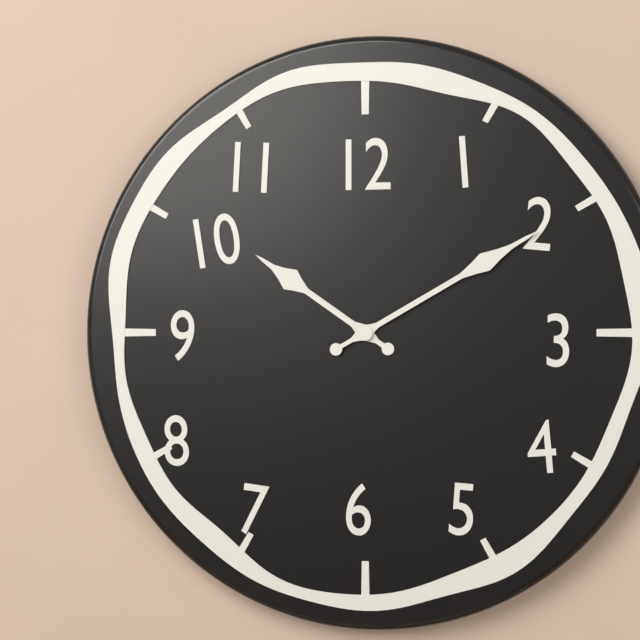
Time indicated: {"hour": 10, "minute": 10}
